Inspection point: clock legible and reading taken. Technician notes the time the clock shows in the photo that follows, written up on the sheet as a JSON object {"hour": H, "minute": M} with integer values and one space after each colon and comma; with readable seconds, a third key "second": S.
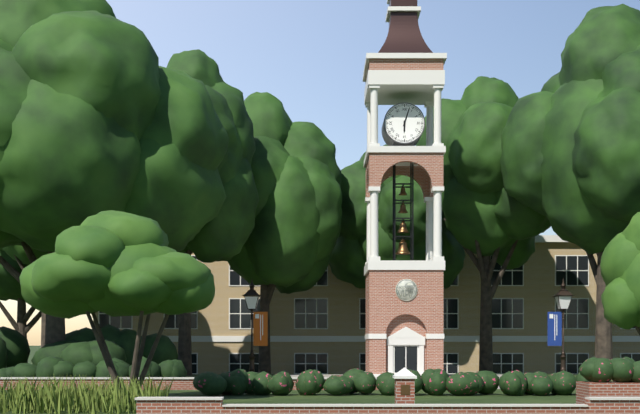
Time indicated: {"hour": 6, "minute": 3}
